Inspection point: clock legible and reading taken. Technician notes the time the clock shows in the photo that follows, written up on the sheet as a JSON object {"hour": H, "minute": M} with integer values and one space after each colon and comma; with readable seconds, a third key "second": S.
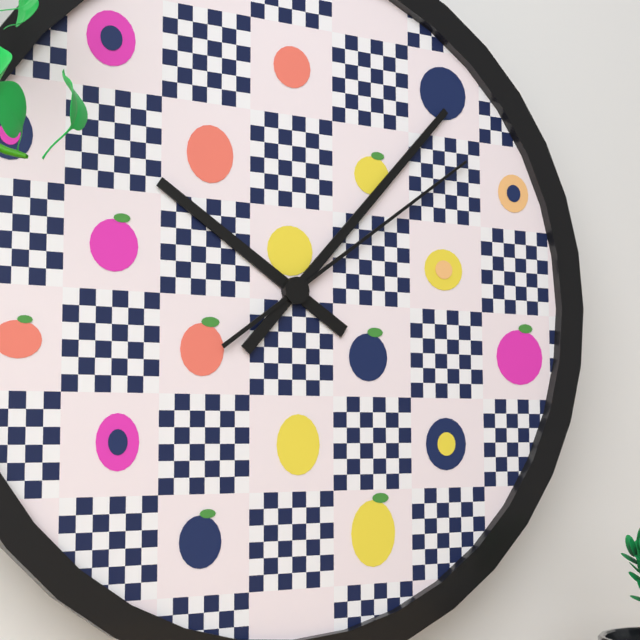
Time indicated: {"hour": 10, "minute": 7, "second": 9}
